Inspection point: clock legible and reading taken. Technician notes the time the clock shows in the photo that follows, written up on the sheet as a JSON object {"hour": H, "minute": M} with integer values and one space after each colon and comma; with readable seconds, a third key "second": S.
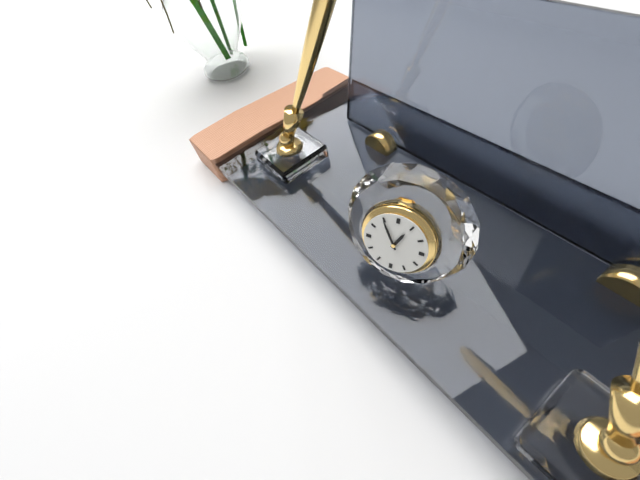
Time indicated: {"hour": 12, "minute": 55}
